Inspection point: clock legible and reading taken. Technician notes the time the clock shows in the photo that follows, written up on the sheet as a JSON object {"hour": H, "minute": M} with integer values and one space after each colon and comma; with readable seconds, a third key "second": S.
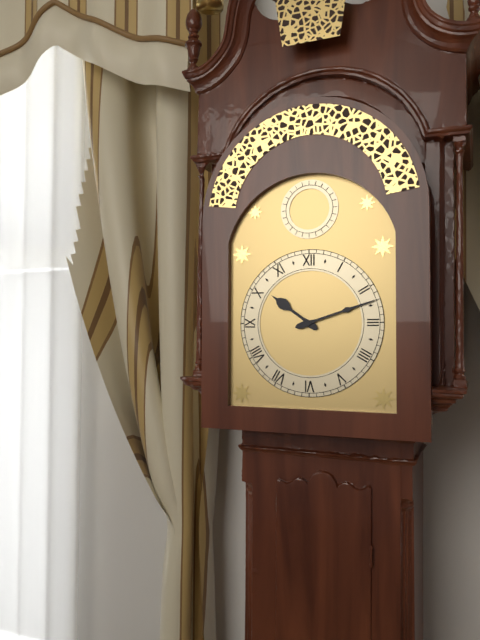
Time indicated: {"hour": 10, "minute": 12}
